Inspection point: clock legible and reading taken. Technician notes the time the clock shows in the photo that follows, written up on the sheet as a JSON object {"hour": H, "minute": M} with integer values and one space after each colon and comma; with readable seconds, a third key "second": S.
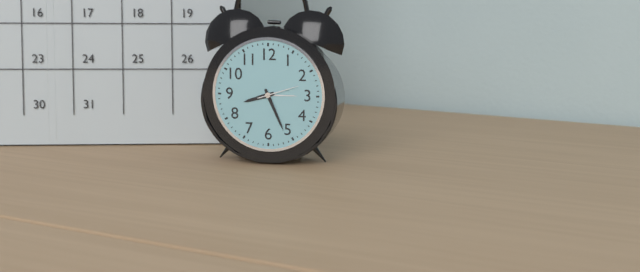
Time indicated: {"hour": 8, "minute": 26}
